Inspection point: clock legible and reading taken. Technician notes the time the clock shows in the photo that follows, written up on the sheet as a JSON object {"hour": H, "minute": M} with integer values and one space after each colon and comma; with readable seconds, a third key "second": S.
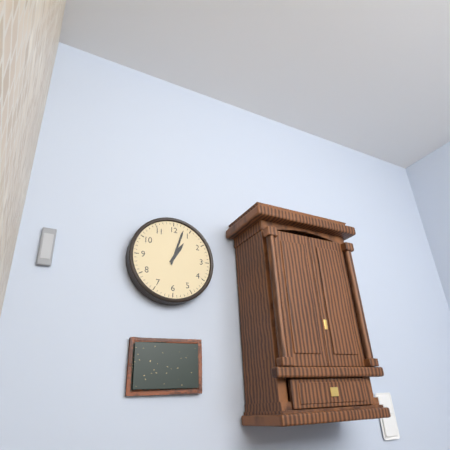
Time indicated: {"hour": 1, "minute": 3}
